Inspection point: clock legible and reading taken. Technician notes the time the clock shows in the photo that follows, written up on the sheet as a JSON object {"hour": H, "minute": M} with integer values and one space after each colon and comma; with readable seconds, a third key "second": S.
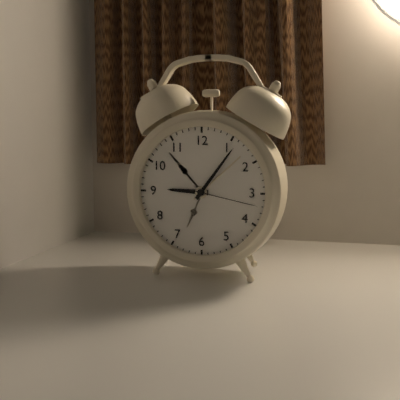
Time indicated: {"hour": 9, "minute": 6, "second": 17}
